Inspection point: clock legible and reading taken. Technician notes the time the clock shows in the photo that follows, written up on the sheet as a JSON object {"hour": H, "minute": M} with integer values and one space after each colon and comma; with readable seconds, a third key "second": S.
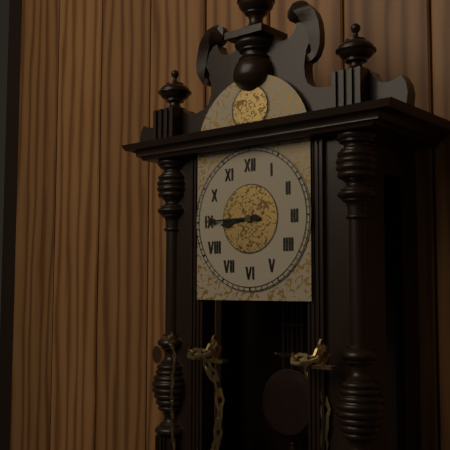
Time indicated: {"hour": 8, "minute": 45}
